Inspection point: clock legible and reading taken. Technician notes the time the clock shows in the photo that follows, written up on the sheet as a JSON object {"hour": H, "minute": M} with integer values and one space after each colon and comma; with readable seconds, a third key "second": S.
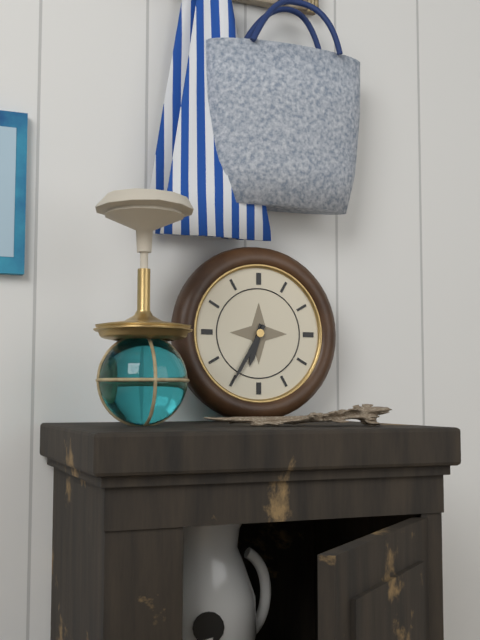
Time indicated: {"hour": 6, "minute": 35}
